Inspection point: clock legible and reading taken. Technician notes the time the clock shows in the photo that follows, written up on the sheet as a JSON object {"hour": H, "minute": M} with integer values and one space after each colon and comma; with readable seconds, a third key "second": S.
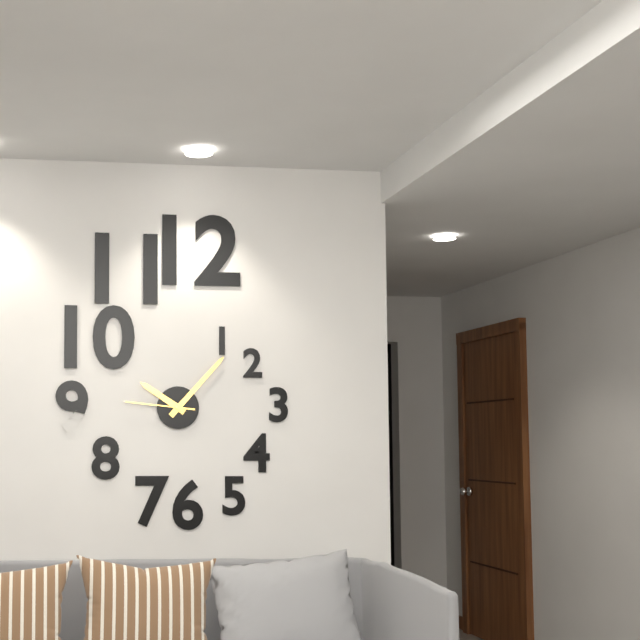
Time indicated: {"hour": 10, "minute": 7, "second": 46}
